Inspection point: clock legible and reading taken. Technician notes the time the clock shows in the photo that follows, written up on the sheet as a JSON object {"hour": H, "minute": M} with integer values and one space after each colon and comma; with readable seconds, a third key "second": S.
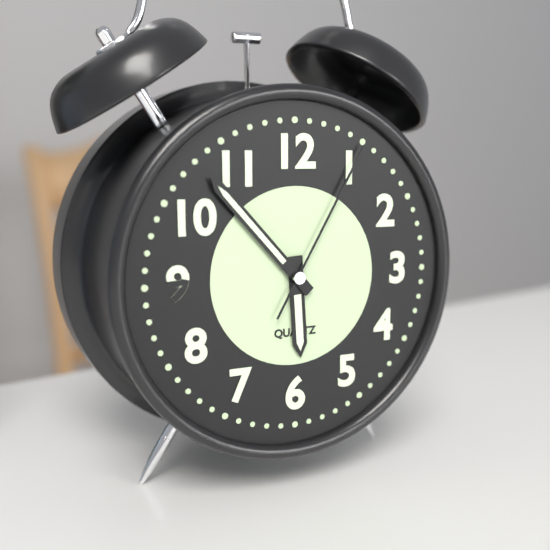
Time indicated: {"hour": 5, "minute": 53, "second": 5}
